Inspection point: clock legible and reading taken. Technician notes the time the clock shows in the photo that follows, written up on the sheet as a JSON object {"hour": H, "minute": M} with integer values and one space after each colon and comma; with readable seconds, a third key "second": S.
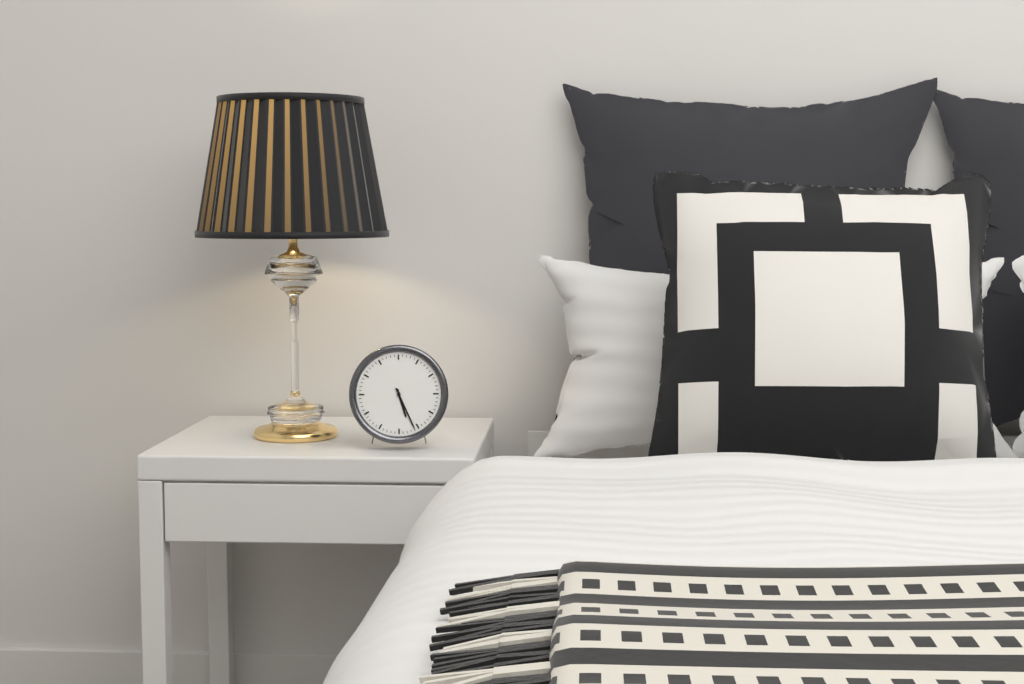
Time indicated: {"hour": 5, "minute": 26}
